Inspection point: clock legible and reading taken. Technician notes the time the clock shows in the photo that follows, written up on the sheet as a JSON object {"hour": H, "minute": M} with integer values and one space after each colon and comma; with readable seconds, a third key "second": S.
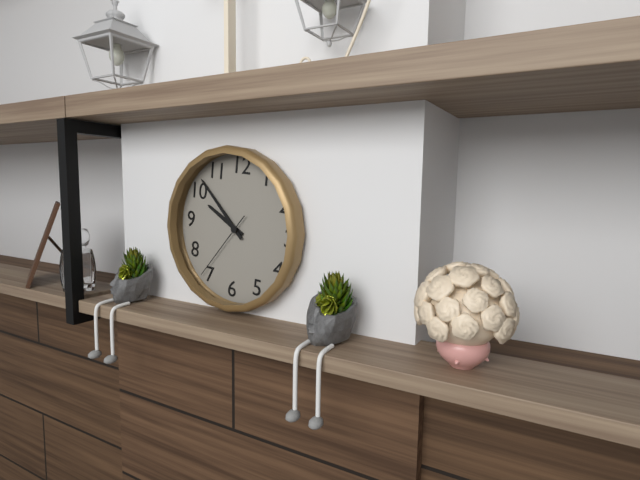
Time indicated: {"hour": 9, "minute": 52, "second": 36}
